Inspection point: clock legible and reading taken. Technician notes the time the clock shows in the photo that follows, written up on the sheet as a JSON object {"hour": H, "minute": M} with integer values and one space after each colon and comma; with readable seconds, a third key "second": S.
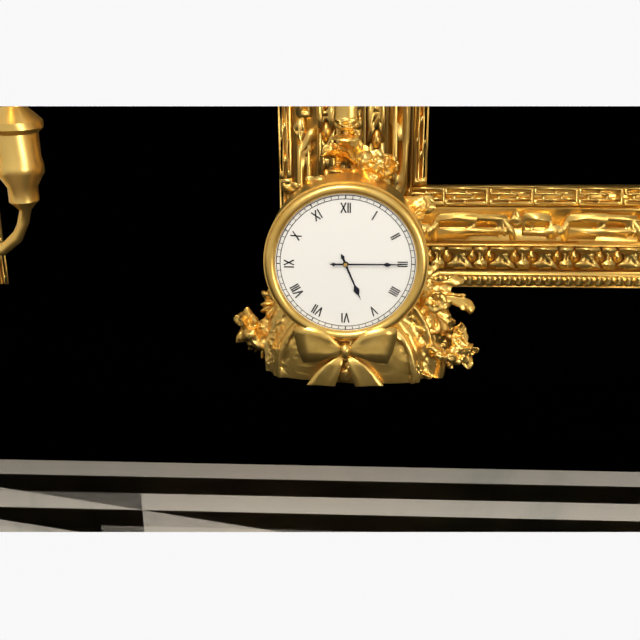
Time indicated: {"hour": 5, "minute": 15}
